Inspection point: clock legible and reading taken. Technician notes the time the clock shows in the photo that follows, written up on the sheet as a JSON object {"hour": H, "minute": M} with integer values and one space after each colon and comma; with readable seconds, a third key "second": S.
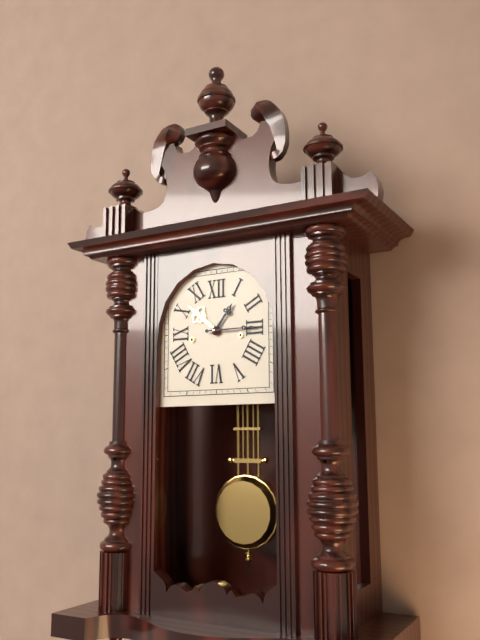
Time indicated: {"hour": 1, "minute": 15}
